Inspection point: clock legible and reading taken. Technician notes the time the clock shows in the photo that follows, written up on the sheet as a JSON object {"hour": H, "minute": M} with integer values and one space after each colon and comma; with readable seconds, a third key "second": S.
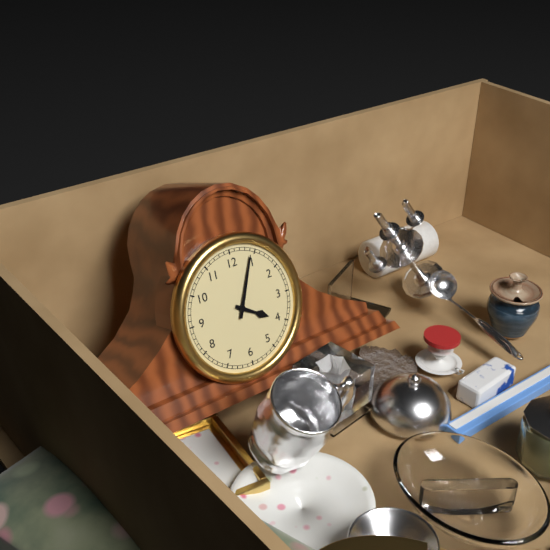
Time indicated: {"hour": 4, "minute": 4}
